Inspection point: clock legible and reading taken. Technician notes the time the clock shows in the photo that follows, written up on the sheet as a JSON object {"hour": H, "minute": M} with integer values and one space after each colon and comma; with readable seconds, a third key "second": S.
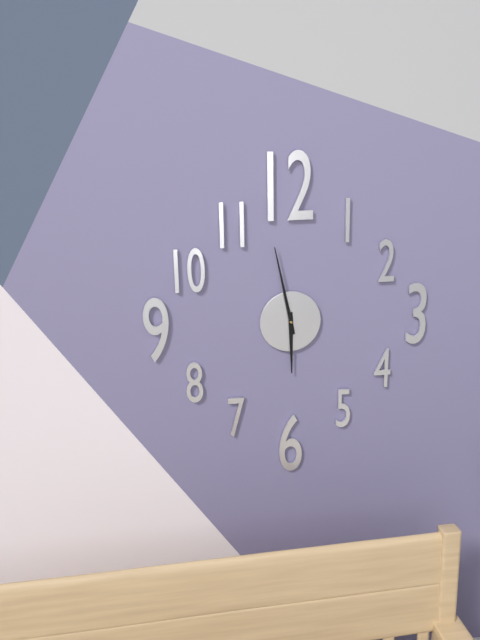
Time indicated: {"hour": 5, "minute": 58}
